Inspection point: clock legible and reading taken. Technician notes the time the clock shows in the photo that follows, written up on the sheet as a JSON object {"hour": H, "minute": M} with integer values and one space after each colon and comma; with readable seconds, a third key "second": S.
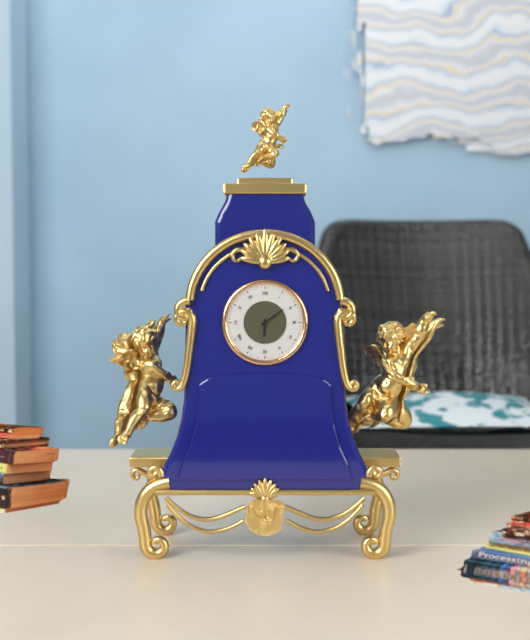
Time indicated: {"hour": 6, "minute": 9}
